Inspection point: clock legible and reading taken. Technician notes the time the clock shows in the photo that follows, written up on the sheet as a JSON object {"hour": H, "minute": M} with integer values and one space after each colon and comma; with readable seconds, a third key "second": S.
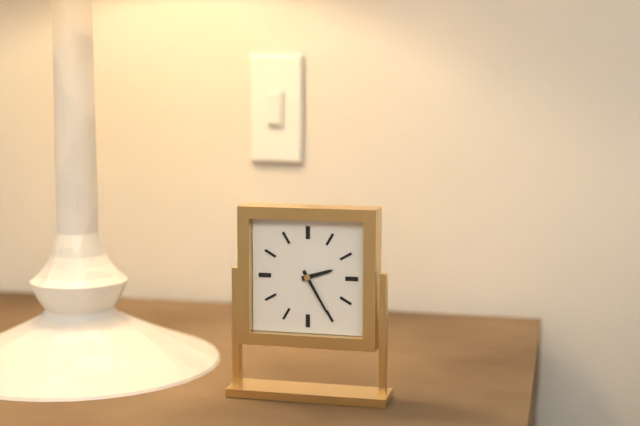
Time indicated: {"hour": 2, "minute": 25}
